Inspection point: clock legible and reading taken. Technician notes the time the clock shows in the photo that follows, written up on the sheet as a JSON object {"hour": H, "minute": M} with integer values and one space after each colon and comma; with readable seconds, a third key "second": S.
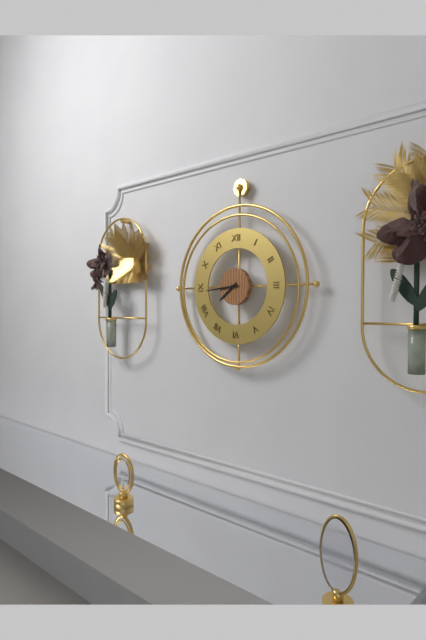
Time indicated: {"hour": 7, "minute": 44}
